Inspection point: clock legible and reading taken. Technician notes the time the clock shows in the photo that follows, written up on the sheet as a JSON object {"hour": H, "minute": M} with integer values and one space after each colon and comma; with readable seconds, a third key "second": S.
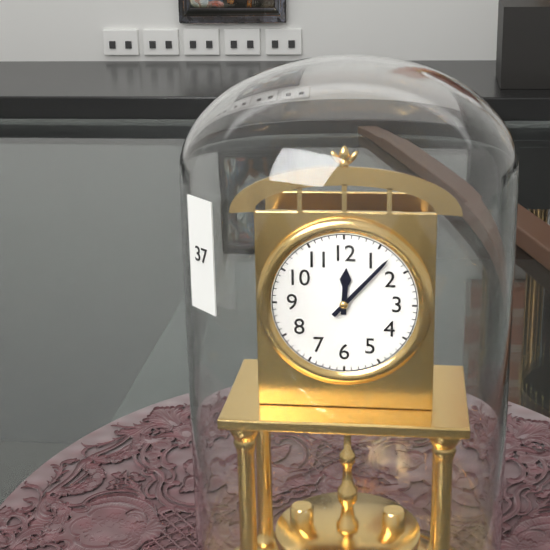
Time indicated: {"hour": 12, "minute": 7}
